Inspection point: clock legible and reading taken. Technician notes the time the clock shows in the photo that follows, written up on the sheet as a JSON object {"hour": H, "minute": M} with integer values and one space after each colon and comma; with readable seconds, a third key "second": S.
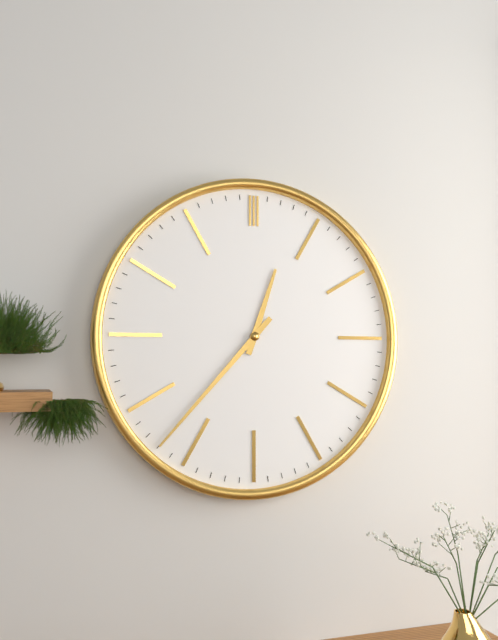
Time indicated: {"hour": 12, "minute": 37}
